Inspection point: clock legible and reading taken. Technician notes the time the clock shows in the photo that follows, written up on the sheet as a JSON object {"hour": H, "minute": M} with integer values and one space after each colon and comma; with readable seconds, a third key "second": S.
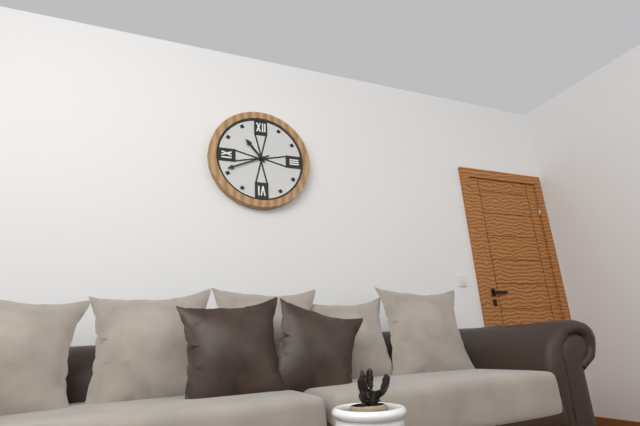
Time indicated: {"hour": 10, "minute": 41}
